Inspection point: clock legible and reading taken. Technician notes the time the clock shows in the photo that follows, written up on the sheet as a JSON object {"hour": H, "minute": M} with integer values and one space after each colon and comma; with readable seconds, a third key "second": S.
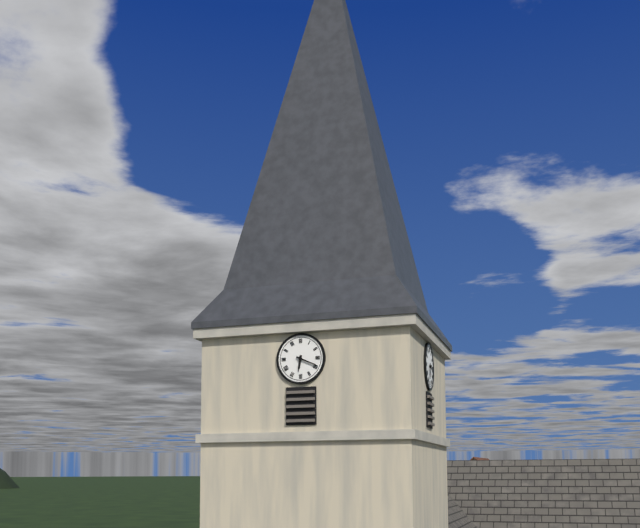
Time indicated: {"hour": 6, "minute": 19}
